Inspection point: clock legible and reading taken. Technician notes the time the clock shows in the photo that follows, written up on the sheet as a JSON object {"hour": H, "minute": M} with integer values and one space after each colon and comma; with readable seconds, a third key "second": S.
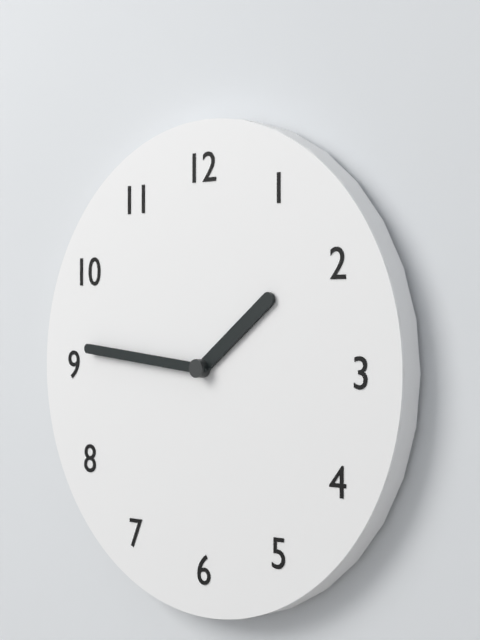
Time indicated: {"hour": 1, "minute": 46}
